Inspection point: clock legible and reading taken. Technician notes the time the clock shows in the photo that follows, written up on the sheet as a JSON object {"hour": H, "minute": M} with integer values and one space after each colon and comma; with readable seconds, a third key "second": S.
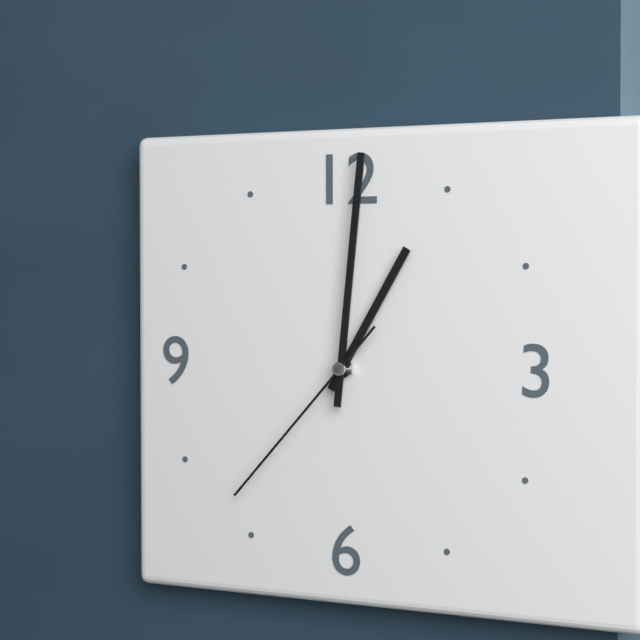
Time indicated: {"hour": 1, "minute": 1, "second": 37}
